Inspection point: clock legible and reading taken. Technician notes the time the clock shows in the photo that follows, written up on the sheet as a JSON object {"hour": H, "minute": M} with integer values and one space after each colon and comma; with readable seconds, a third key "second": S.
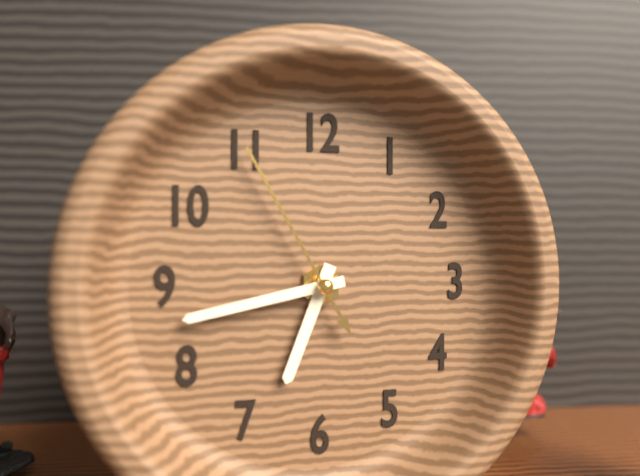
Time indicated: {"hour": 6, "minute": 43, "second": 55}
